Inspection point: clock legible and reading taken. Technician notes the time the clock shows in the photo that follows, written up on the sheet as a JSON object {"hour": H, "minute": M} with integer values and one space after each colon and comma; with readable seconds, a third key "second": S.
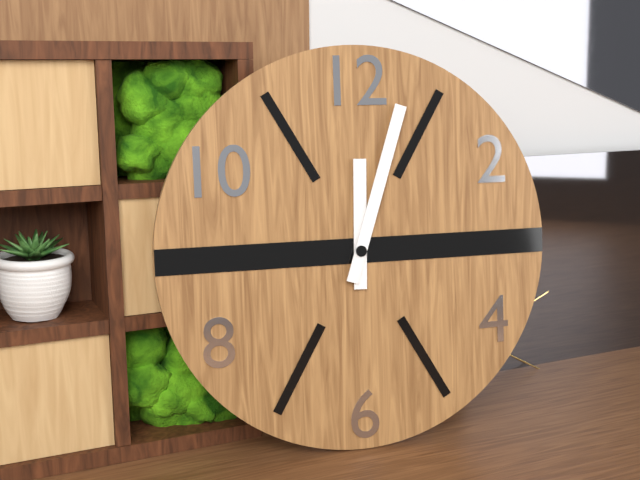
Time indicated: {"hour": 12, "minute": 3}
